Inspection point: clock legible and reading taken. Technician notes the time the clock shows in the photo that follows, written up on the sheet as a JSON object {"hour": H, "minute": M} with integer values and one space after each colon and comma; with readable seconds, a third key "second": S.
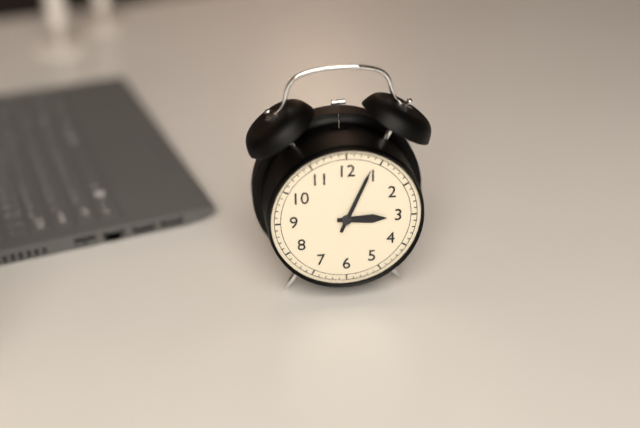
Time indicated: {"hour": 3, "minute": 4}
